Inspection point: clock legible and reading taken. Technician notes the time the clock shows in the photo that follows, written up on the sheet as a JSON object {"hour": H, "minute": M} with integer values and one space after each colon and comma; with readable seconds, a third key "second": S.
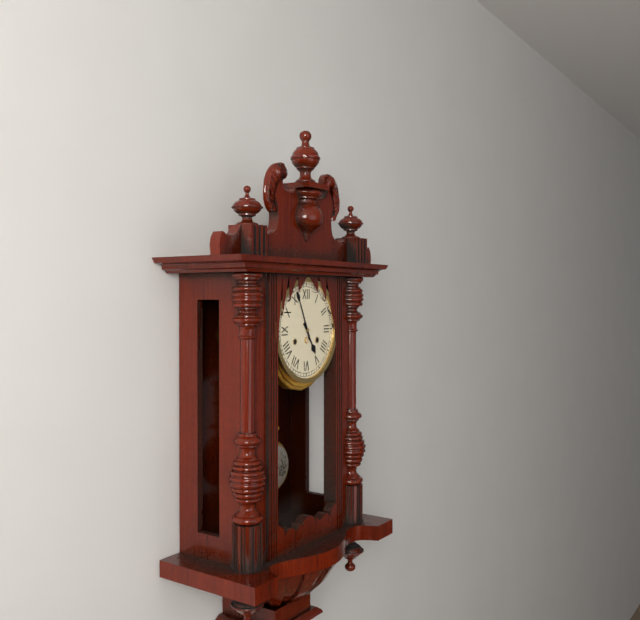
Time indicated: {"hour": 4, "minute": 56}
